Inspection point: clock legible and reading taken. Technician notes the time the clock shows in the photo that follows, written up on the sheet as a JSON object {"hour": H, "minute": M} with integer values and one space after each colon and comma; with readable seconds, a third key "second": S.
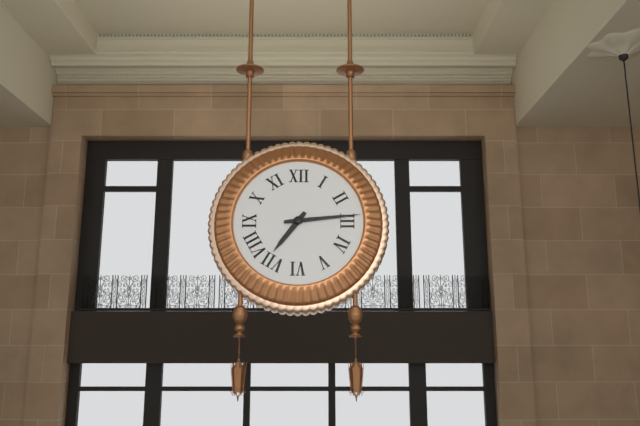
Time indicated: {"hour": 7, "minute": 14}
